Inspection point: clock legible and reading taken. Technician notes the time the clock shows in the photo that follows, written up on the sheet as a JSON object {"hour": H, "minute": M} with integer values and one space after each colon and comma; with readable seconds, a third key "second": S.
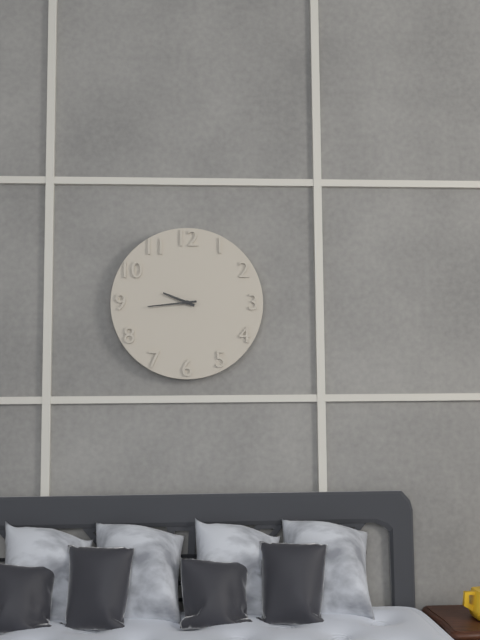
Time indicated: {"hour": 9, "minute": 44}
